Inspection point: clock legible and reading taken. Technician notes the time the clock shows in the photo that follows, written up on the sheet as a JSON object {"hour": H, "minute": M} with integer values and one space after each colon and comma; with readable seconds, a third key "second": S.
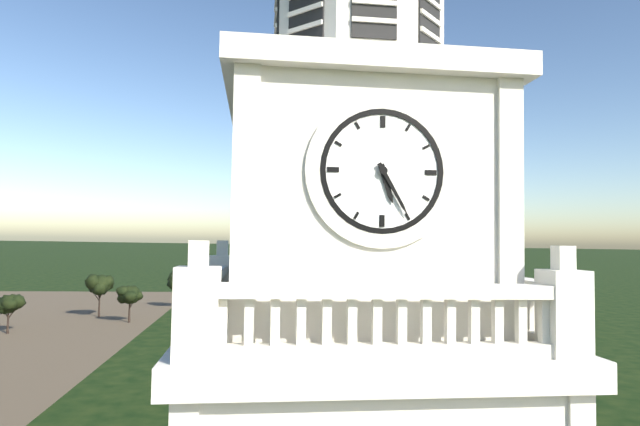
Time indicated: {"hour": 5, "minute": 25}
